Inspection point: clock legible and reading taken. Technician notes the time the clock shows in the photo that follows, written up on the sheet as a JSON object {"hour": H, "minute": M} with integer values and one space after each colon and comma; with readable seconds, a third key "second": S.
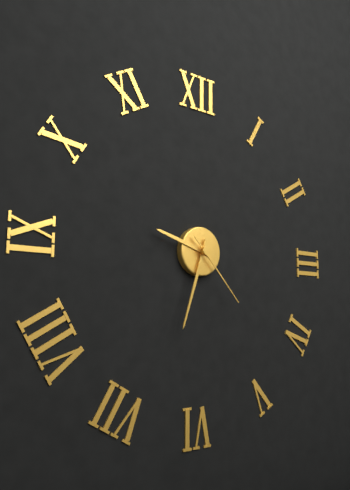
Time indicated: {"hour": 9, "minute": 33, "second": 23}
